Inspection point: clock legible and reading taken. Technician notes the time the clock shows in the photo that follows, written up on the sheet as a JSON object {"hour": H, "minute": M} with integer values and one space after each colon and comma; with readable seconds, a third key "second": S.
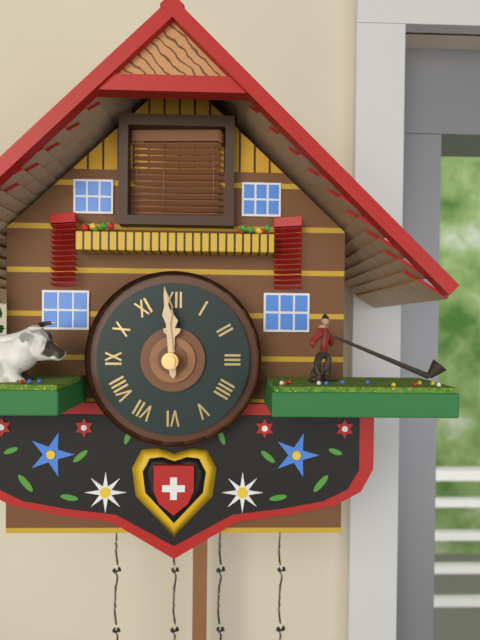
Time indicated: {"hour": 11, "minute": 59}
